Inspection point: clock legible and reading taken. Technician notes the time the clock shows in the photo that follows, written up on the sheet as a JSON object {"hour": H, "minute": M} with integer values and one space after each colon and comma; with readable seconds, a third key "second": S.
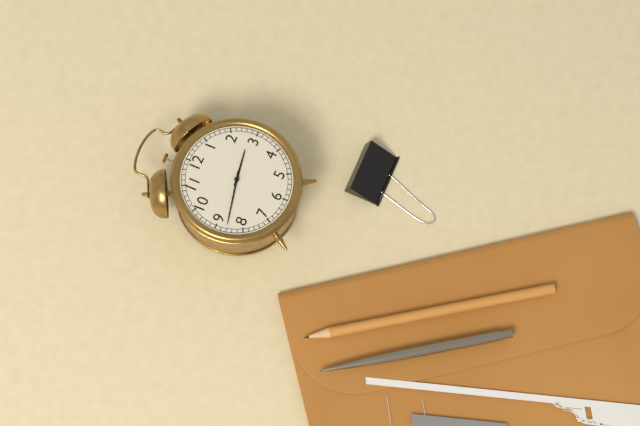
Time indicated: {"hour": 2, "minute": 43}
